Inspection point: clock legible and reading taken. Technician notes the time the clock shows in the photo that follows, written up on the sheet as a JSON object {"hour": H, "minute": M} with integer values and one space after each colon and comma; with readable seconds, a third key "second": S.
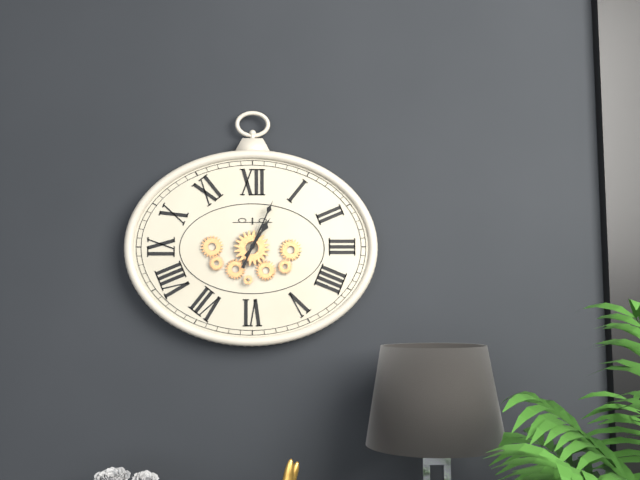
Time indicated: {"hour": 1, "minute": 4}
